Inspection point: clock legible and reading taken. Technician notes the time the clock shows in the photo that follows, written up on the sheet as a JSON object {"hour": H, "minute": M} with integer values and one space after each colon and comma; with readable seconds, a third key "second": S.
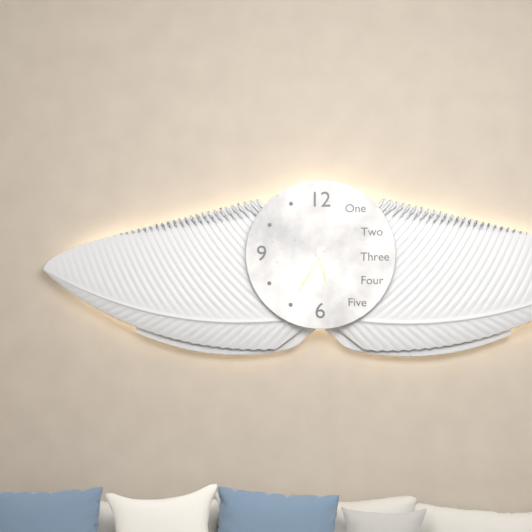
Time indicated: {"hour": 5, "minute": 35}
